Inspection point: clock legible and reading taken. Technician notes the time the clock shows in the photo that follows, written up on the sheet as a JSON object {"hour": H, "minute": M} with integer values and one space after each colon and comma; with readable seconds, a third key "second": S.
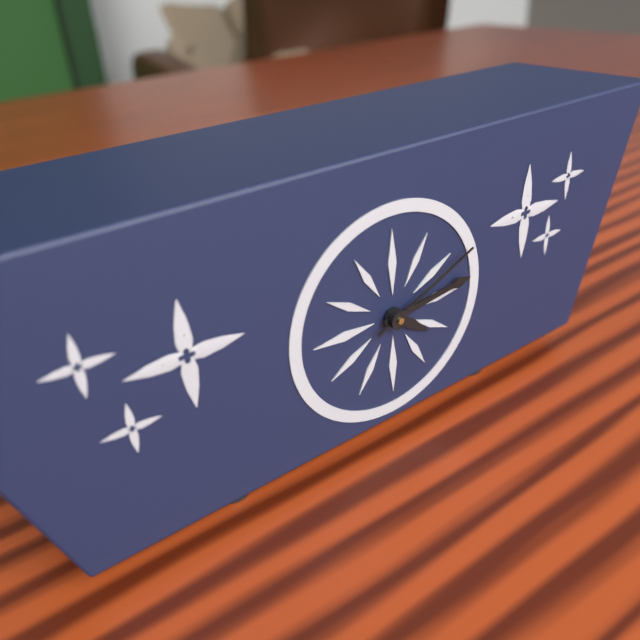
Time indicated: {"hour": 4, "minute": 14, "second": 11}
